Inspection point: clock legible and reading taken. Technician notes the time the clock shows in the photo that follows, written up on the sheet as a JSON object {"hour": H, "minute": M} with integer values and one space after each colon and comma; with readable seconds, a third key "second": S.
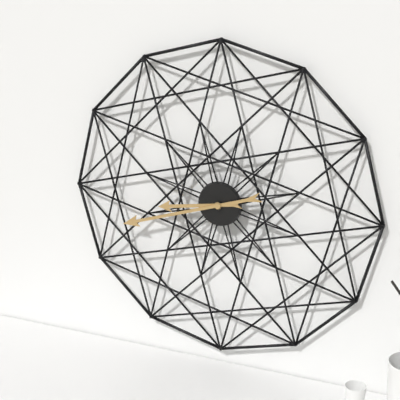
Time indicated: {"hour": 8, "minute": 42}
